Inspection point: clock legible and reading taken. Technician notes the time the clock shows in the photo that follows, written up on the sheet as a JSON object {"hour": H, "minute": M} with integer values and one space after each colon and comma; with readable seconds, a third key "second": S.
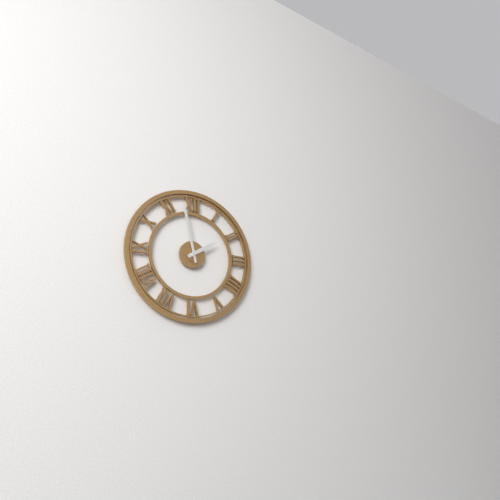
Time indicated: {"hour": 1, "minute": 58}
